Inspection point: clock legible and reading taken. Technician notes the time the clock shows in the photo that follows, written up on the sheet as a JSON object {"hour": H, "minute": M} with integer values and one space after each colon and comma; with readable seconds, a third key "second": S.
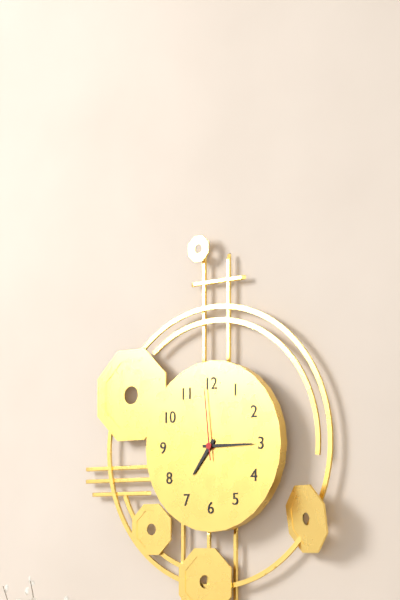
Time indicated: {"hour": 7, "minute": 15, "second": 59}
